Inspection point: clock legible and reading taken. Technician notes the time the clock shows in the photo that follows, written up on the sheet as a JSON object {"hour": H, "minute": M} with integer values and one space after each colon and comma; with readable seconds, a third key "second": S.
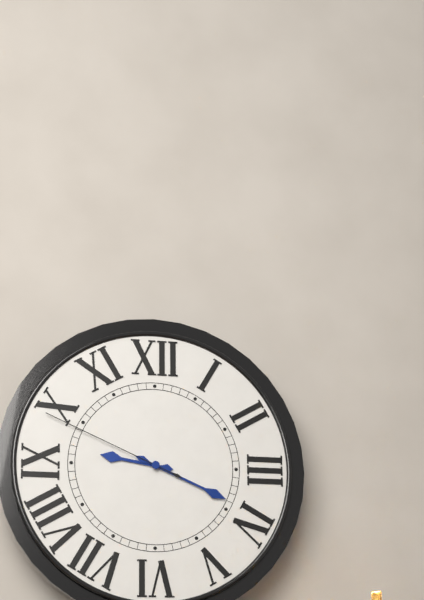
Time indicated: {"hour": 9, "minute": 19, "second": 49}
